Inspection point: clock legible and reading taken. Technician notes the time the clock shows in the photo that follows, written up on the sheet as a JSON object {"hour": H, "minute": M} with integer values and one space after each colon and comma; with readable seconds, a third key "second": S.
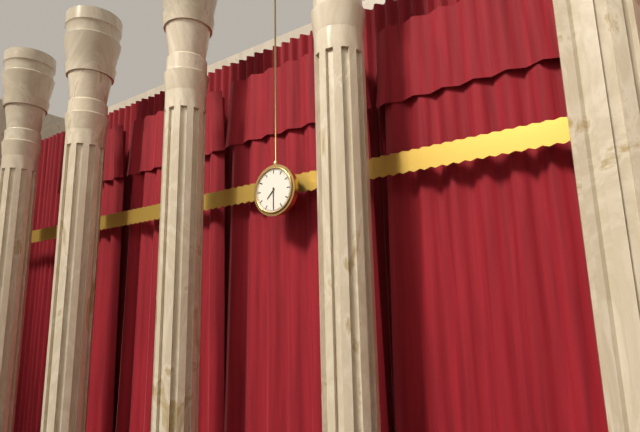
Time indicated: {"hour": 7, "minute": 30}
